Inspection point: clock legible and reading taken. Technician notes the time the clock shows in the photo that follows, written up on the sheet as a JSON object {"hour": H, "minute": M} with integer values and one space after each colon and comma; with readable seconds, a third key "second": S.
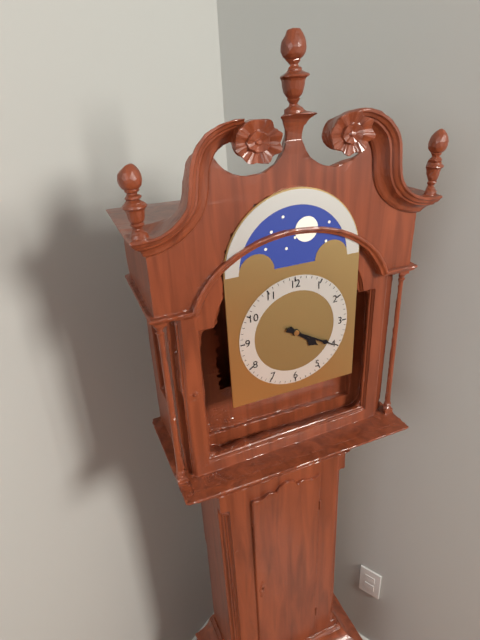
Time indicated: {"hour": 4, "minute": 20}
